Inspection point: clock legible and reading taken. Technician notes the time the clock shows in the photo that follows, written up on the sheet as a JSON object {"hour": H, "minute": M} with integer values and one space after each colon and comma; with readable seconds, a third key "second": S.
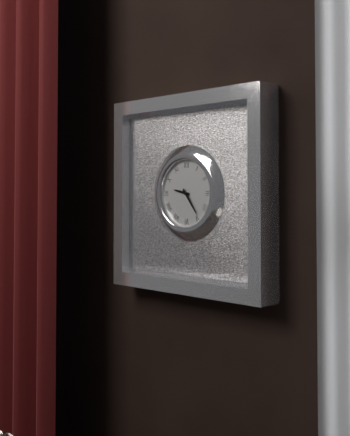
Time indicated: {"hour": 9, "minute": 24}
